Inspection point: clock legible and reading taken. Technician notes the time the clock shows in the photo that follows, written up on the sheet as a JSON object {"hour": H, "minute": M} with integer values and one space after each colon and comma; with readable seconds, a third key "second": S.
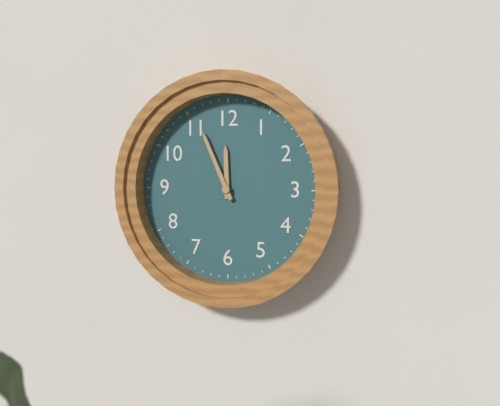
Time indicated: {"hour": 11, "minute": 56}
